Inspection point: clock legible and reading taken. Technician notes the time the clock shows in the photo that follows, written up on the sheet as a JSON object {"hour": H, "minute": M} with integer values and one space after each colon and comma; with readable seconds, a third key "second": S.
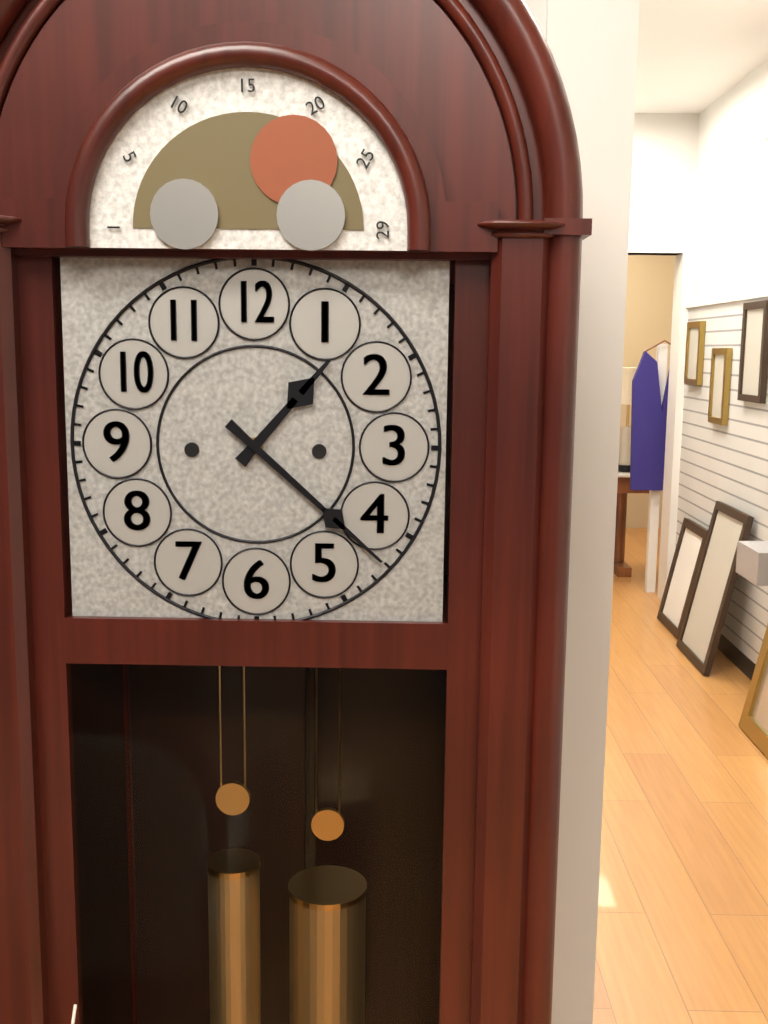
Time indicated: {"hour": 1, "minute": 22}
